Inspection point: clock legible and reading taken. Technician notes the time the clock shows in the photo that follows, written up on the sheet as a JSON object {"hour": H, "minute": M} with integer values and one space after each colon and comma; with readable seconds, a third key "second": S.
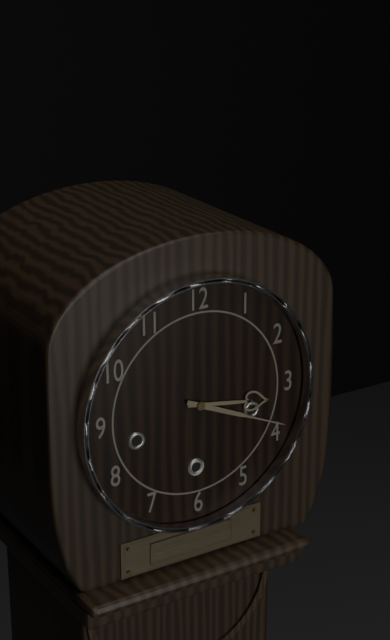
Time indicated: {"hour": 3, "minute": 19}
